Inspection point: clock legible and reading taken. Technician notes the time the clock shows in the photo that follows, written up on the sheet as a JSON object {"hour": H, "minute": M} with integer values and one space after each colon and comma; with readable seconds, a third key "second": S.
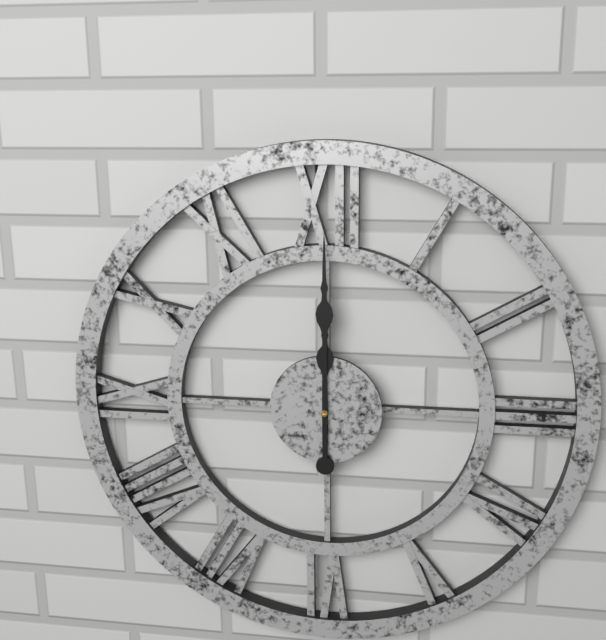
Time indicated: {"hour": 12, "minute": 0}
